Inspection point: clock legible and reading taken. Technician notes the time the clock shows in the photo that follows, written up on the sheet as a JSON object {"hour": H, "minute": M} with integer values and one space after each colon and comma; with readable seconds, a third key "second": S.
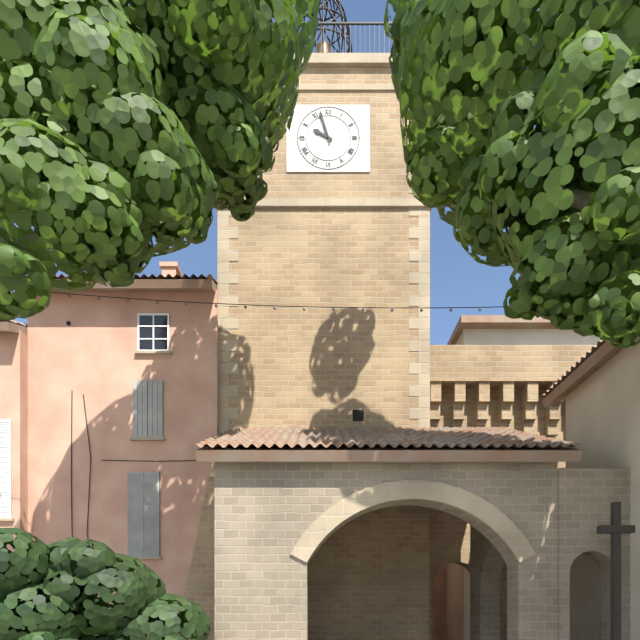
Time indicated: {"hour": 9, "minute": 57}
